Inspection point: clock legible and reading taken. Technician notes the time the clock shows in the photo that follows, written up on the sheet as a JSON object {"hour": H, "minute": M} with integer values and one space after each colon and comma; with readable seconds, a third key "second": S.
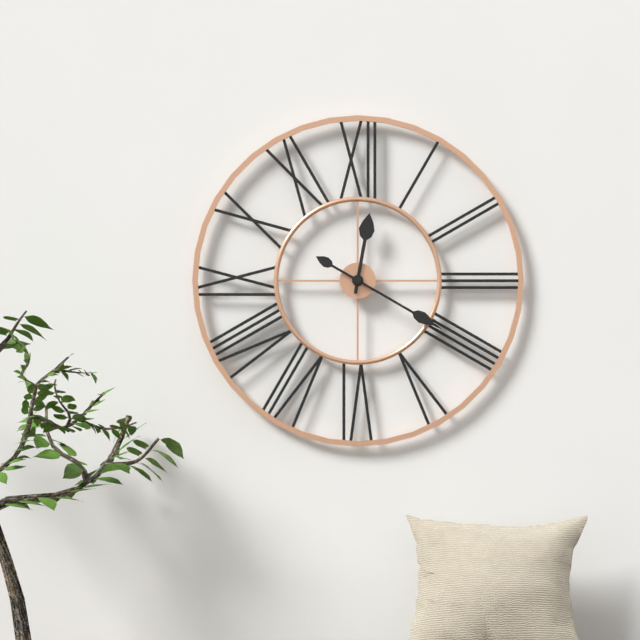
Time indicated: {"hour": 12, "minute": 20}
